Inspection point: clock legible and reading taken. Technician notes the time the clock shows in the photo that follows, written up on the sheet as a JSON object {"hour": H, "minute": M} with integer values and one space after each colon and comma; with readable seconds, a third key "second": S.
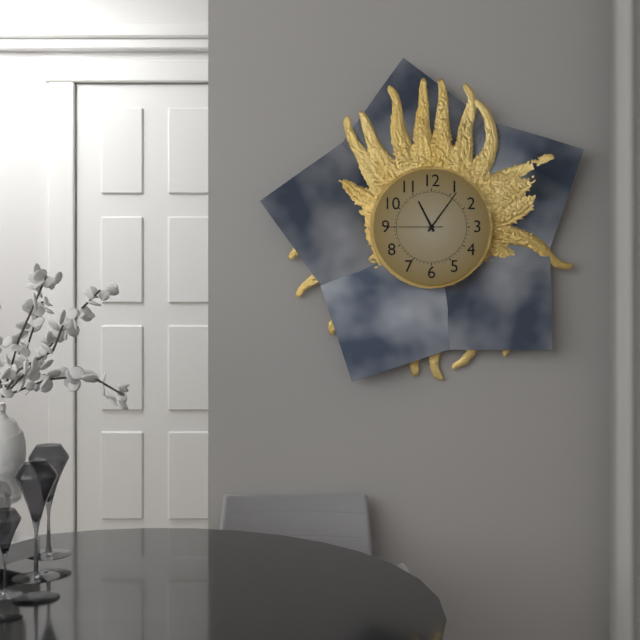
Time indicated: {"hour": 11, "minute": 6, "second": 45}
